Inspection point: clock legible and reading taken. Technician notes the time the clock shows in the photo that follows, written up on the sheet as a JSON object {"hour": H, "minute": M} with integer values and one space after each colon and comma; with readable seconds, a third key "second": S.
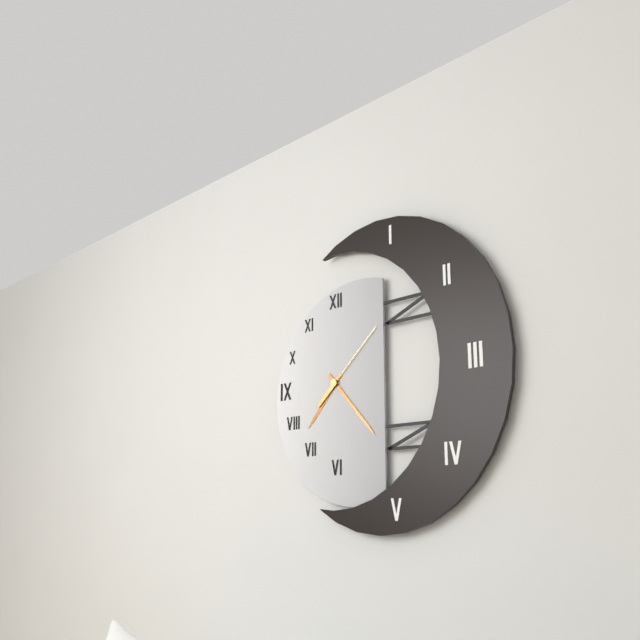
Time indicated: {"hour": 7, "minute": 23, "second": 8}
